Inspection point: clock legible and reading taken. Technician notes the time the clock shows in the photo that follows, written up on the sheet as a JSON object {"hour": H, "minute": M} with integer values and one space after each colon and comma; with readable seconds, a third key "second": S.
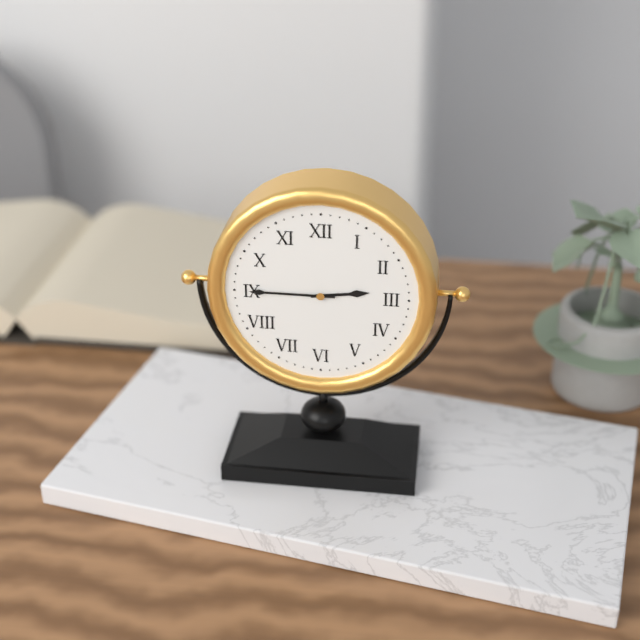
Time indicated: {"hour": 2, "minute": 45}
